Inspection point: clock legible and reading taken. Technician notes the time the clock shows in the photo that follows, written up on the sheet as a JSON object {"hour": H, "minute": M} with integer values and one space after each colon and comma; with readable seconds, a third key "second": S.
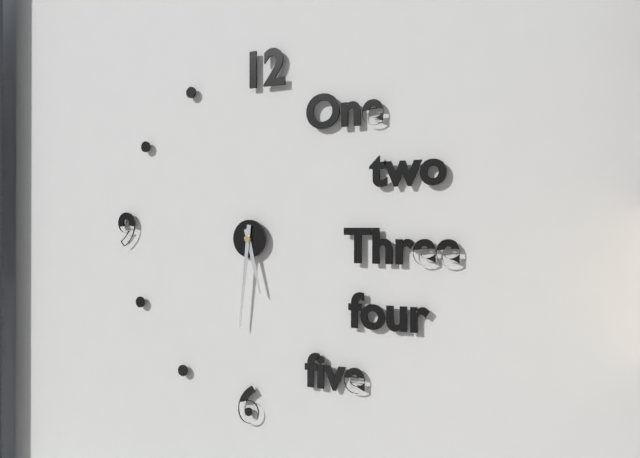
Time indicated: {"hour": 5, "minute": 31}
